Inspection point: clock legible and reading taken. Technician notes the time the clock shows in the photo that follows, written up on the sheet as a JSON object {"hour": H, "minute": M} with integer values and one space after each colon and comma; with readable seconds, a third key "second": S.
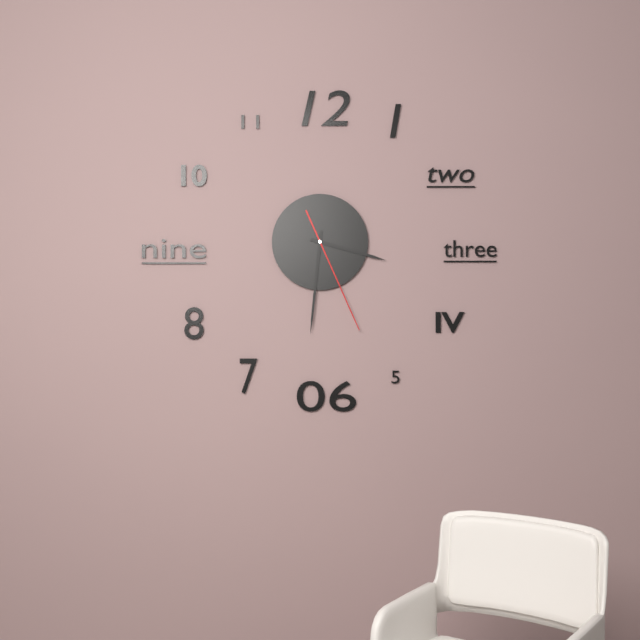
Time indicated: {"hour": 3, "minute": 31, "second": 26}
